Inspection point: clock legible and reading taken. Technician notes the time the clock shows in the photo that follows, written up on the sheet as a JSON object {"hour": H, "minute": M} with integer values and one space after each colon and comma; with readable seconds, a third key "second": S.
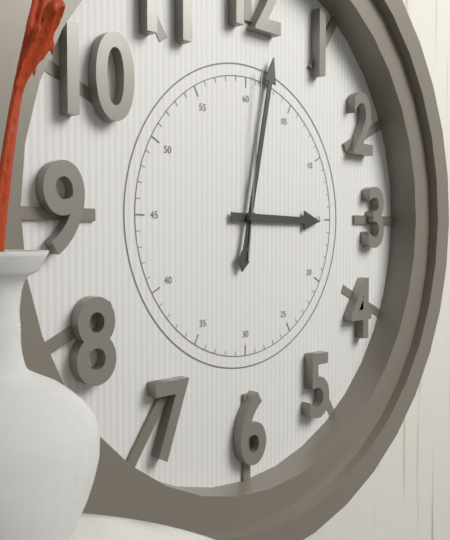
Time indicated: {"hour": 3, "minute": 2, "second": 1}
